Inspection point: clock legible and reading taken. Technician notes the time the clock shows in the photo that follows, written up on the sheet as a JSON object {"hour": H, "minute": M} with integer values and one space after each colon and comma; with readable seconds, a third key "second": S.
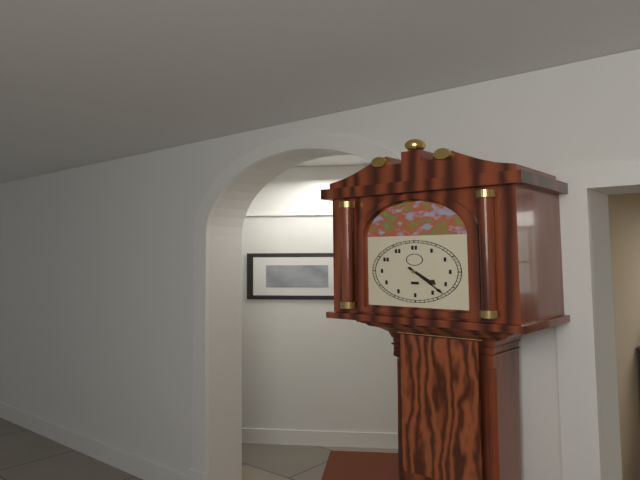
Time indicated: {"hour": 4, "minute": 23}
